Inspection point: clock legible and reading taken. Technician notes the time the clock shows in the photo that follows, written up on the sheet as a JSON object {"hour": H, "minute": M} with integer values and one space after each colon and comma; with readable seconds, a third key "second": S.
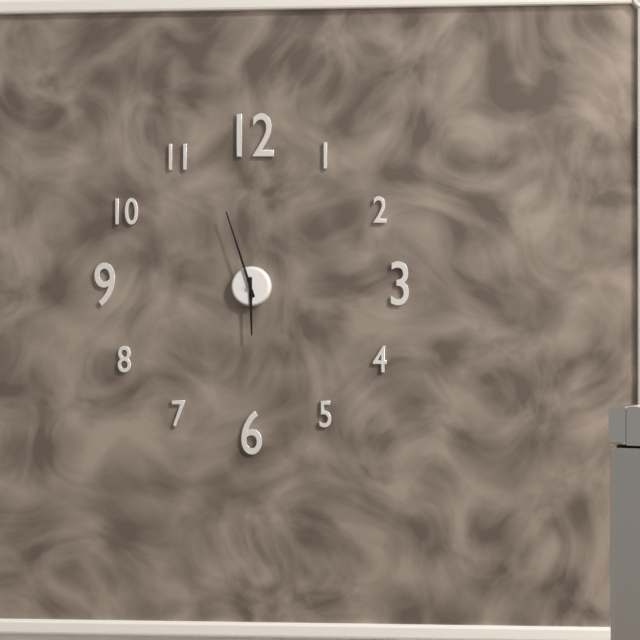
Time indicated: {"hour": 5, "minute": 57}
